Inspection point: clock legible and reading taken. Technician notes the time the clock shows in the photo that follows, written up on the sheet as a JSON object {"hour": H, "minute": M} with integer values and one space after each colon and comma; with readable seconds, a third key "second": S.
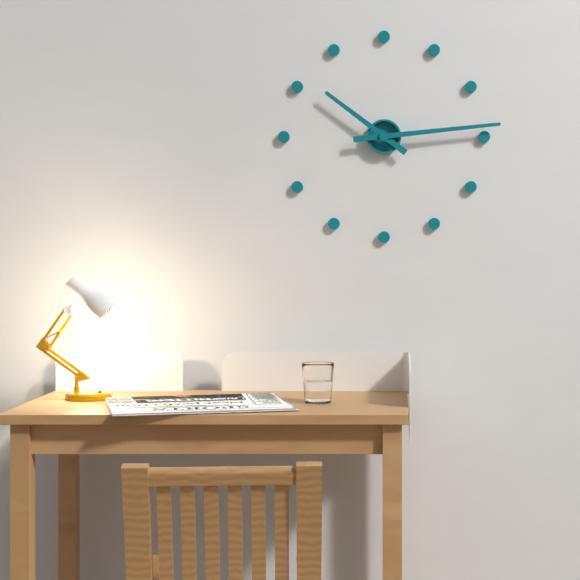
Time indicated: {"hour": 10, "minute": 14}
